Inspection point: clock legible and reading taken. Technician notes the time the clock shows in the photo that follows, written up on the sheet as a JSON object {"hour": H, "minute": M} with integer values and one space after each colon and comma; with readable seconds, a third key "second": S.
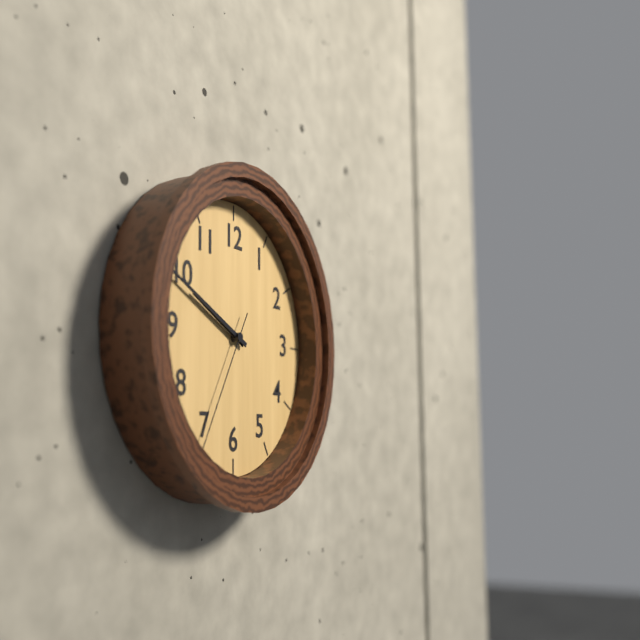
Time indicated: {"hour": 9, "minute": 49, "second": 35}
